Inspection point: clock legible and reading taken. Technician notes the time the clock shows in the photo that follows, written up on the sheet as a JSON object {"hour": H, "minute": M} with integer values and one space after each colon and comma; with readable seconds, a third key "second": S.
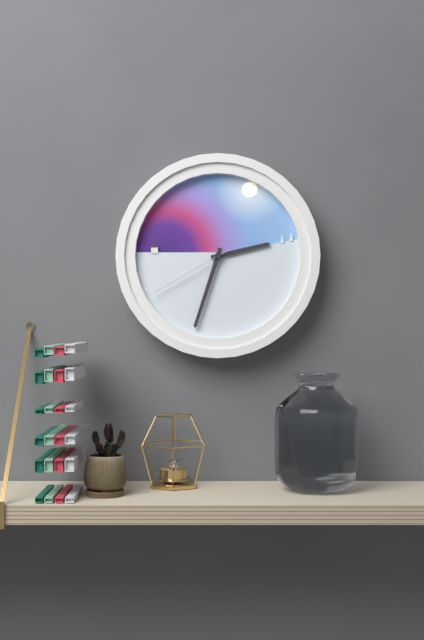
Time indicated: {"hour": 2, "minute": 33, "second": 40}
